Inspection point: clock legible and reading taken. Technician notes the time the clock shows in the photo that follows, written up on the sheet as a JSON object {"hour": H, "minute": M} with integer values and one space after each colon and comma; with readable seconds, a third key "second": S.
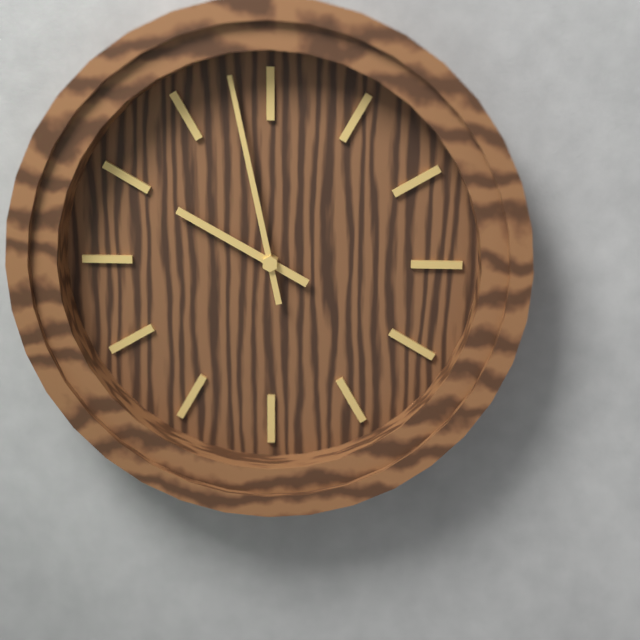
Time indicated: {"hour": 9, "minute": 58}
